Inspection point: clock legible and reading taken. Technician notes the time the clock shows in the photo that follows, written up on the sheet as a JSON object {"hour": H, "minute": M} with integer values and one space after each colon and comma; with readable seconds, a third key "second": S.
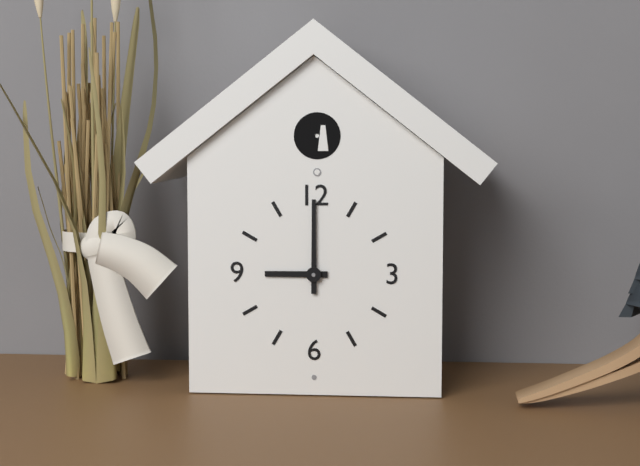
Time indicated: {"hour": 9, "minute": 0}
